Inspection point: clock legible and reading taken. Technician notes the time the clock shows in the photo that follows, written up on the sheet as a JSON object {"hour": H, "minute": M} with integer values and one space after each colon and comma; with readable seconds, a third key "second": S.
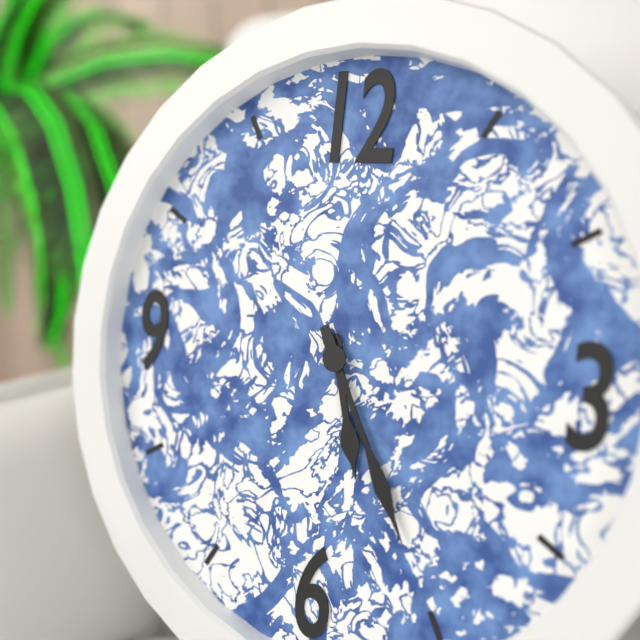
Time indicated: {"hour": 5, "minute": 25}
